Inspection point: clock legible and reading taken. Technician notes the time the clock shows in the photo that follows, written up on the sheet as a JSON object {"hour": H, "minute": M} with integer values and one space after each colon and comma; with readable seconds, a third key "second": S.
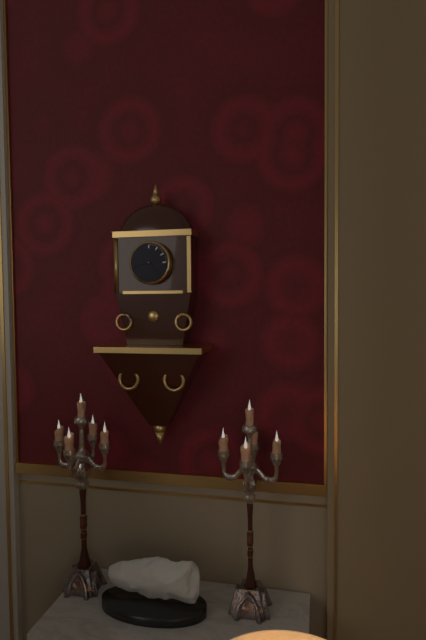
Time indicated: {"hour": 4, "minute": 43}
